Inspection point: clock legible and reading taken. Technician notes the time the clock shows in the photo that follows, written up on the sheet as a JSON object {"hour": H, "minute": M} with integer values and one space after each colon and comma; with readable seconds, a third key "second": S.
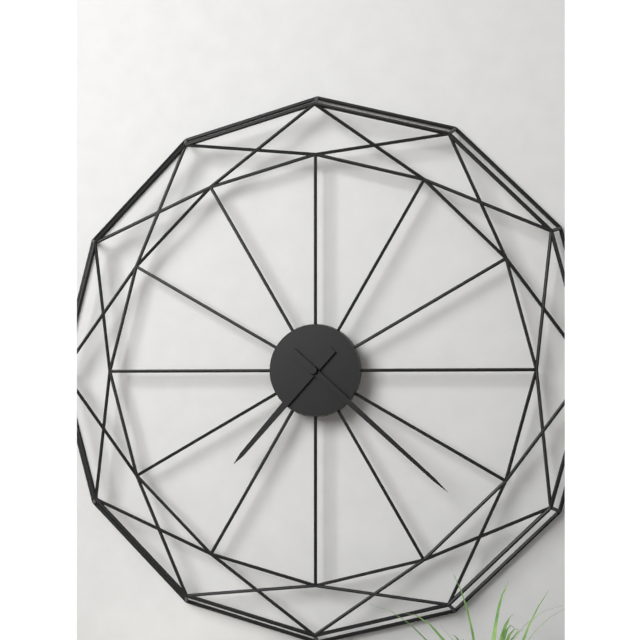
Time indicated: {"hour": 7, "minute": 22}
